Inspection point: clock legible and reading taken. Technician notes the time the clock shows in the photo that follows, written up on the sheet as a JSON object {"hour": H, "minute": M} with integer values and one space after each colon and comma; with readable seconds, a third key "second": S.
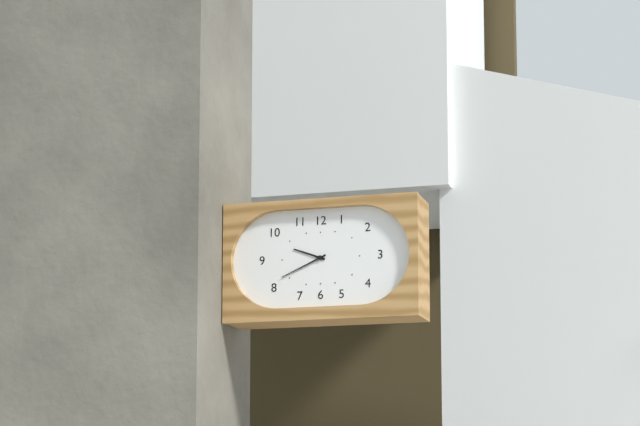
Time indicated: {"hour": 9, "minute": 41}
